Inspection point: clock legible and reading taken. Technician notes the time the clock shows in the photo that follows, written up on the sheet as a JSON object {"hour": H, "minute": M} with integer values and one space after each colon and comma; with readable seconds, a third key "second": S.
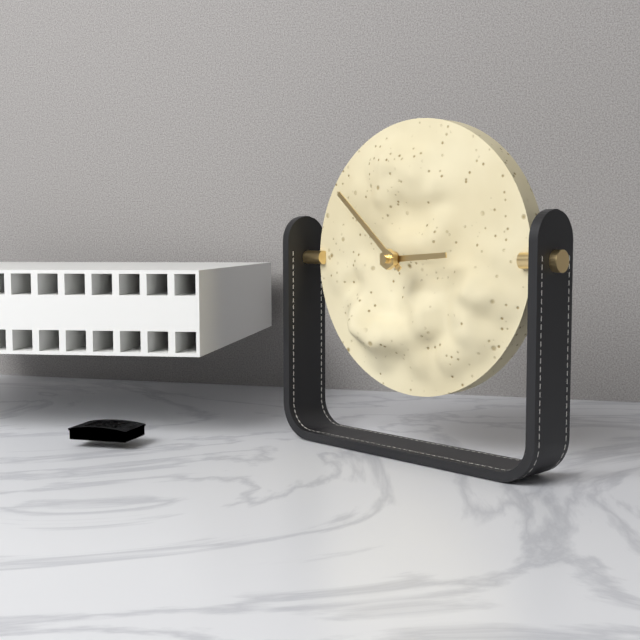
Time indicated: {"hour": 2, "minute": 52}
